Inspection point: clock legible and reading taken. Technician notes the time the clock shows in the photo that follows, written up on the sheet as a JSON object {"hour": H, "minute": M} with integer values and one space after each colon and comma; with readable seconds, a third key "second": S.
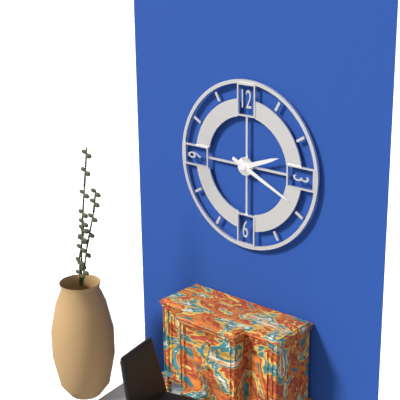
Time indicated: {"hour": 2, "minute": 19}
